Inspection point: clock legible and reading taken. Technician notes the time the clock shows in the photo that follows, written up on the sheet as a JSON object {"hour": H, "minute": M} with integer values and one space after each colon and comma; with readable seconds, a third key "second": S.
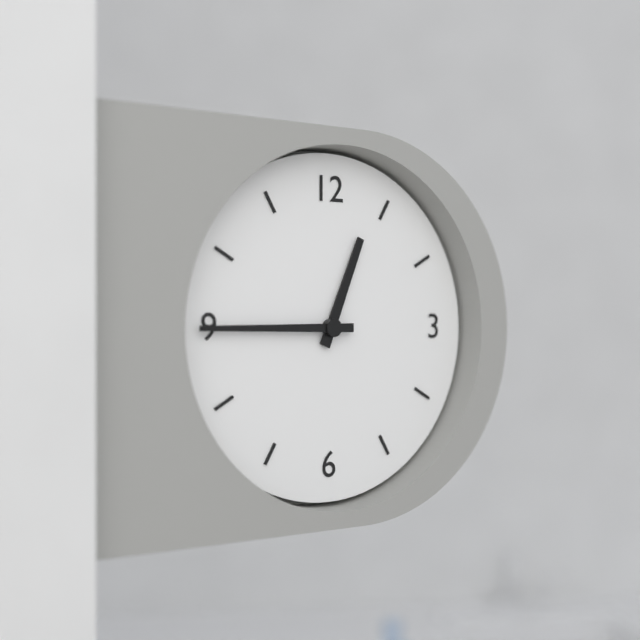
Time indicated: {"hour": 12, "minute": 45}
